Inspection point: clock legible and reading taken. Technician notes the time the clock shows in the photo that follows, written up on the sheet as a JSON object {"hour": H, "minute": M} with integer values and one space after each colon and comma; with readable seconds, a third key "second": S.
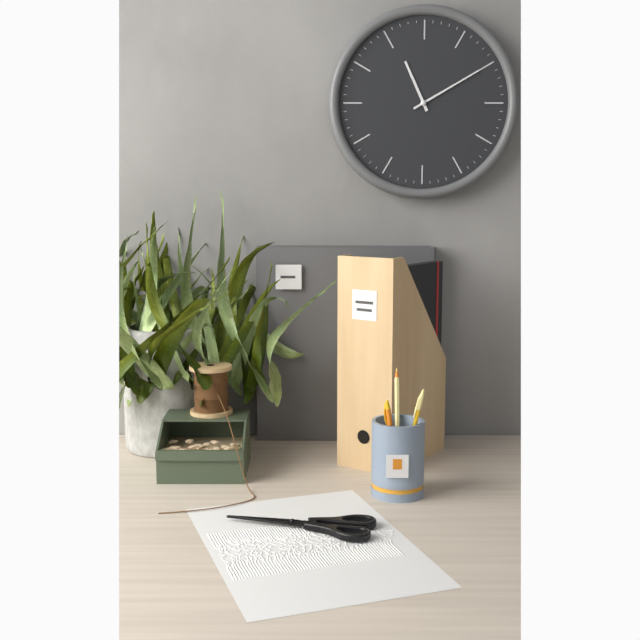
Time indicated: {"hour": 11, "minute": 10}
